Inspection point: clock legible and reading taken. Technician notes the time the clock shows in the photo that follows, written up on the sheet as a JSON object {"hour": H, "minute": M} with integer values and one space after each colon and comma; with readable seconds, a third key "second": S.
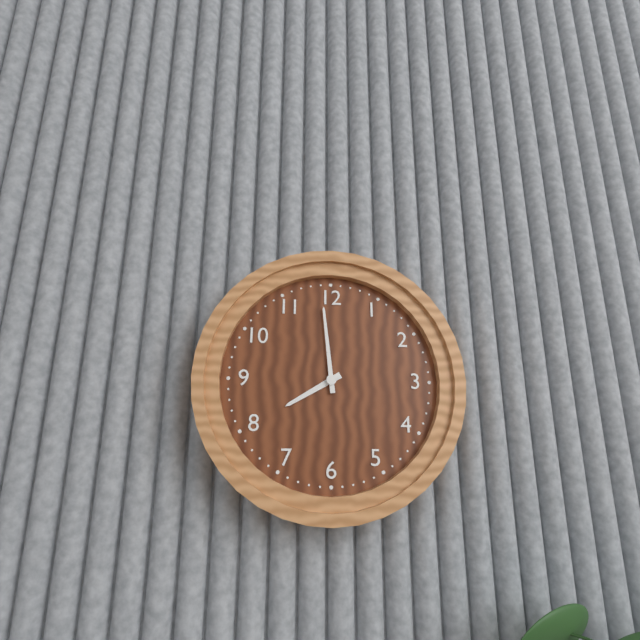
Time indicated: {"hour": 7, "minute": 59}
